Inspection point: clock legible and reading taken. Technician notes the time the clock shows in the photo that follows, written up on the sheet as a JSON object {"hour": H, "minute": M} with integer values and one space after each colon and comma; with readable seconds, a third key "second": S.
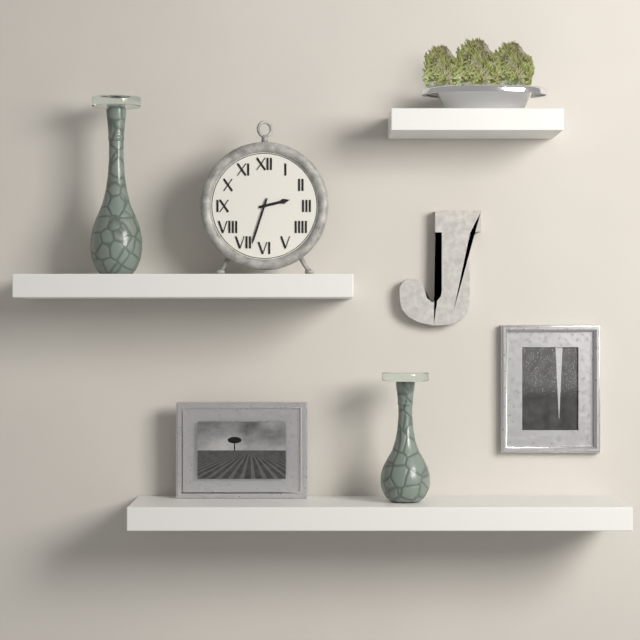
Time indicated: {"hour": 2, "minute": 33}
